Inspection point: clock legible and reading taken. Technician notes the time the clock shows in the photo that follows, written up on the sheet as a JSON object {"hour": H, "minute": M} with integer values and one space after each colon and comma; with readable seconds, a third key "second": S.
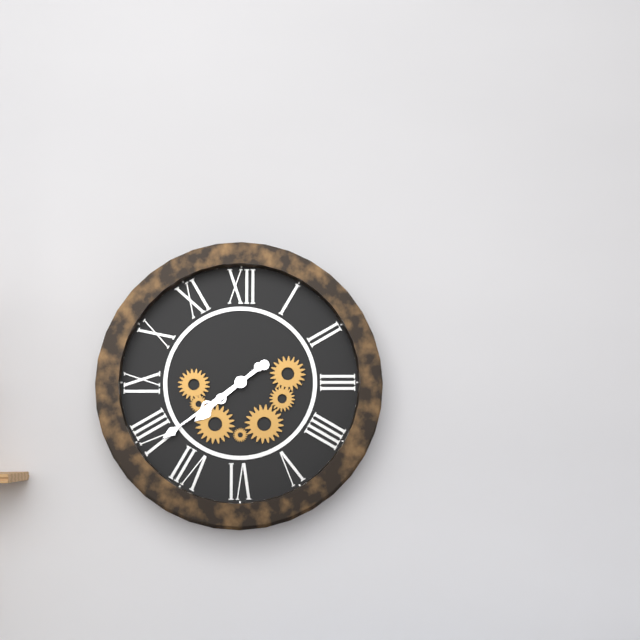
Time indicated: {"hour": 7, "minute": 39}
